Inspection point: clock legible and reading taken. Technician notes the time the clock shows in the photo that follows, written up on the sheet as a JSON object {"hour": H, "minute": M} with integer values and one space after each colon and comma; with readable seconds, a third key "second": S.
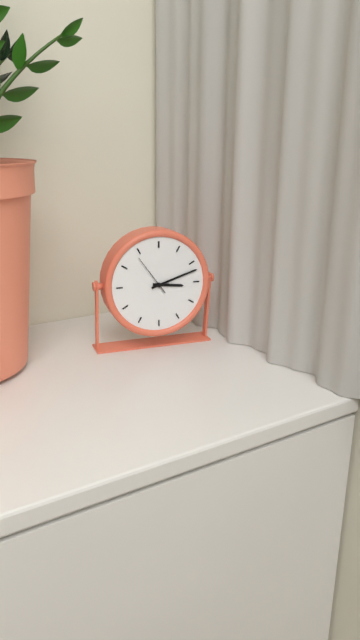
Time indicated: {"hour": 3, "minute": 12}
